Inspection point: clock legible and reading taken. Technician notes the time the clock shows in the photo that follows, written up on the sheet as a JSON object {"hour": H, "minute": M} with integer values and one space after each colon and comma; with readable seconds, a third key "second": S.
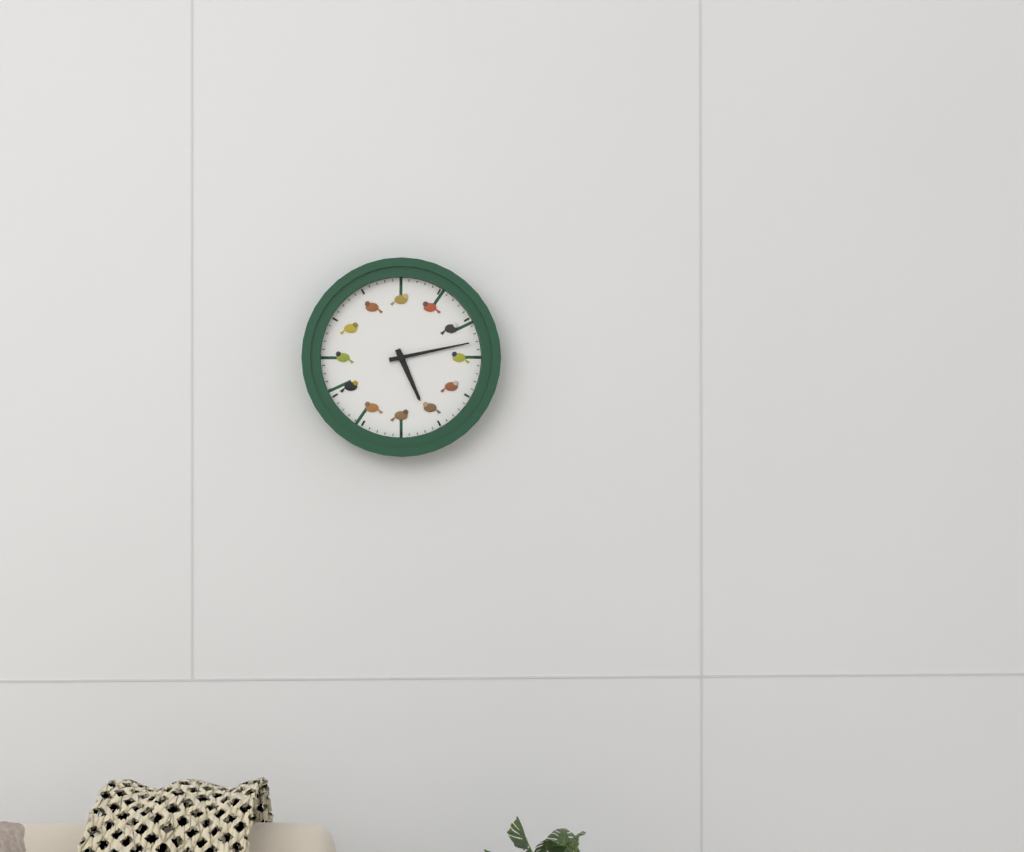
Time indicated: {"hour": 5, "minute": 13}
